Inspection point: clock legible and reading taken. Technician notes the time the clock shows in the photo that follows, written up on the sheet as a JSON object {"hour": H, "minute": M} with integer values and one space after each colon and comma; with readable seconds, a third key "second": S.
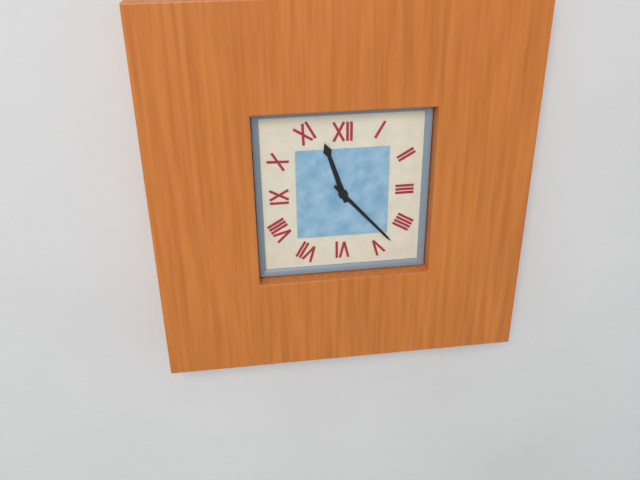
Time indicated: {"hour": 11, "minute": 23}
